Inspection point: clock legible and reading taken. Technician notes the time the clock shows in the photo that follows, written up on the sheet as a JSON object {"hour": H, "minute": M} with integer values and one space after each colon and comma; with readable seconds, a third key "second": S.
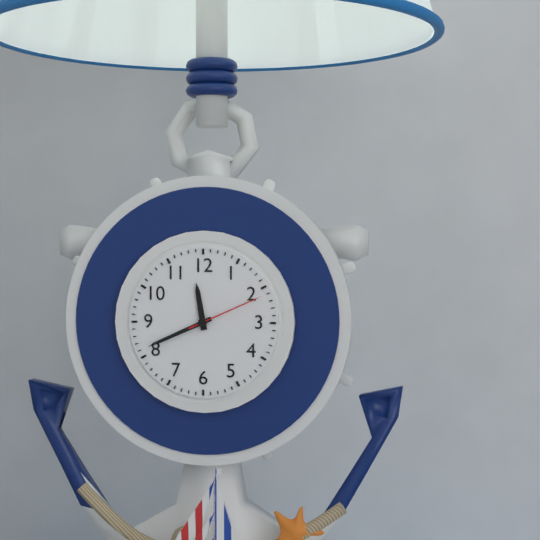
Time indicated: {"hour": 11, "minute": 41, "second": 11}
